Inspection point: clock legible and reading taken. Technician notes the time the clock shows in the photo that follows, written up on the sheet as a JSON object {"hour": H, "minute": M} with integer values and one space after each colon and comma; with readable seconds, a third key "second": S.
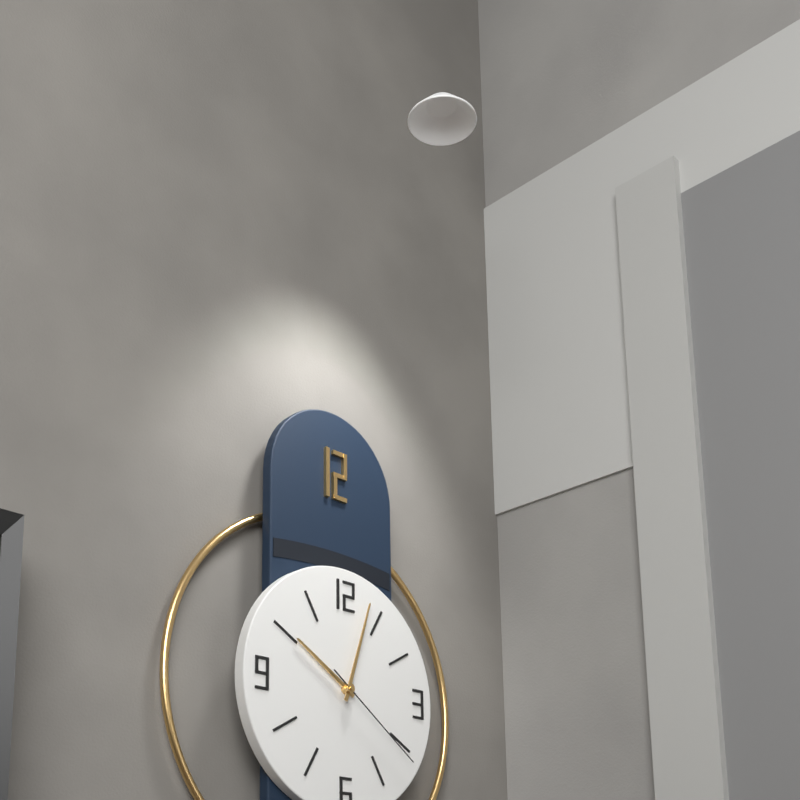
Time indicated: {"hour": 10, "minute": 3, "second": 21}
